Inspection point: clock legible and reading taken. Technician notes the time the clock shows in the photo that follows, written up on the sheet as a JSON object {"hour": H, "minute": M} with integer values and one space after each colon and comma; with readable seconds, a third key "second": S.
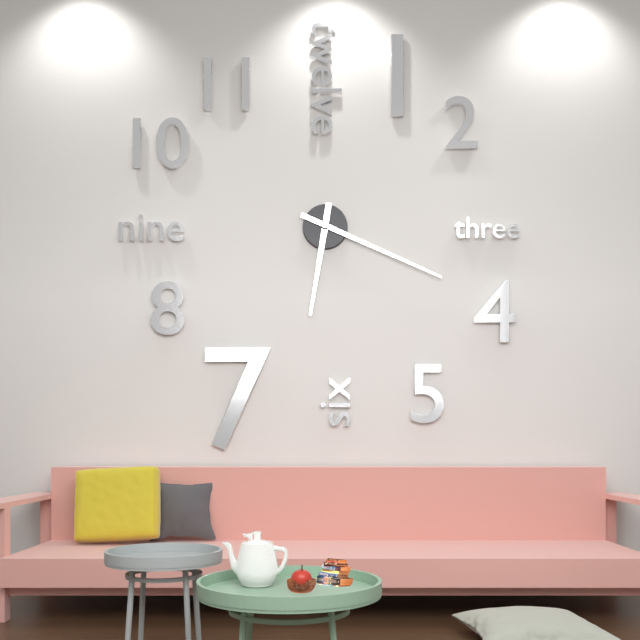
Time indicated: {"hour": 6, "minute": 19}
